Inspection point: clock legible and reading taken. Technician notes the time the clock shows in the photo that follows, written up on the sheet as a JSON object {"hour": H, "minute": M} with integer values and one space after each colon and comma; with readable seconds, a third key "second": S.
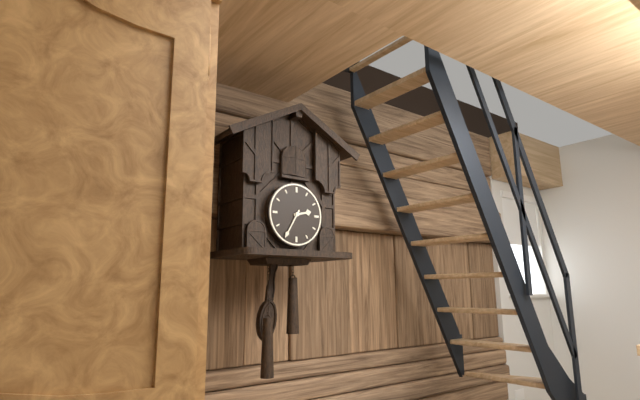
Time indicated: {"hour": 2, "minute": 35}
